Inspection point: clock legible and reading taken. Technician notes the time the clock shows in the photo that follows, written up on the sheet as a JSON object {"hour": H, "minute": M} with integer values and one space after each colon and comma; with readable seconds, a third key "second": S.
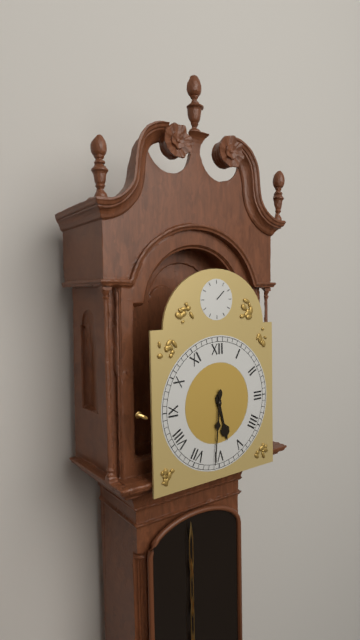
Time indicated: {"hour": 5, "minute": 31}
